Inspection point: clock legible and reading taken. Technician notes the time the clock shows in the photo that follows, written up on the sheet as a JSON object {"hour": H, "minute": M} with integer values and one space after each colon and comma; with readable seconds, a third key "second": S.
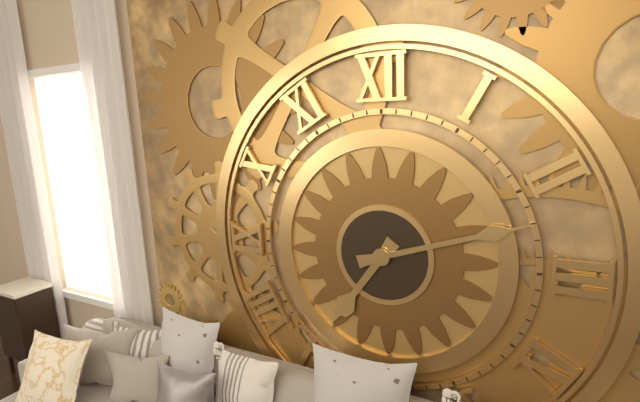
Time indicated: {"hour": 7, "minute": 12}
